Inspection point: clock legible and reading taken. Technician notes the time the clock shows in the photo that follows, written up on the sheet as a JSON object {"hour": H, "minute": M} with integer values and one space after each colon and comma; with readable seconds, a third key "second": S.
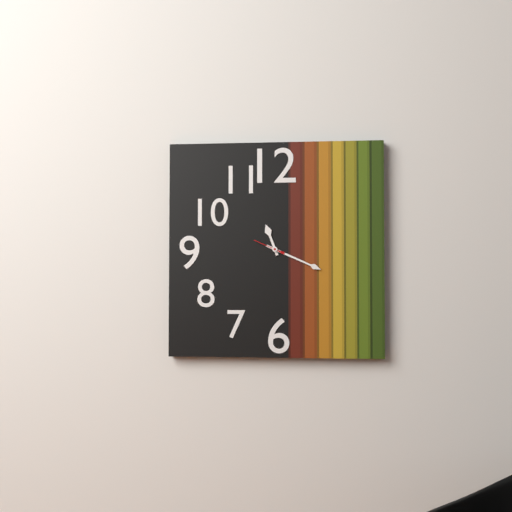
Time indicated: {"hour": 11, "minute": 19}
